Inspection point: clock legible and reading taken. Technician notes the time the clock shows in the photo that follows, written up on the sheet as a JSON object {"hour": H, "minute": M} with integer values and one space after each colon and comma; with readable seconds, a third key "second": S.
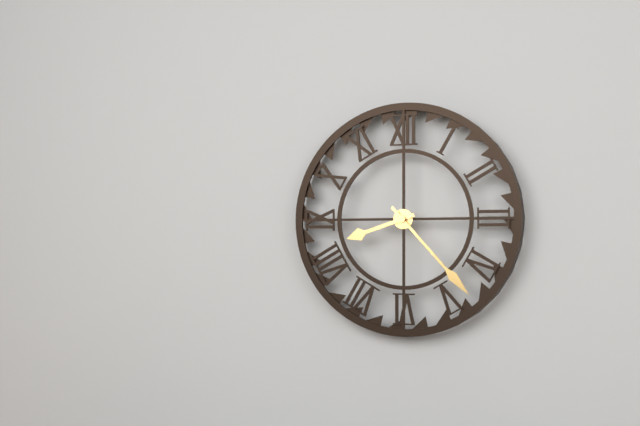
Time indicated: {"hour": 8, "minute": 23}
